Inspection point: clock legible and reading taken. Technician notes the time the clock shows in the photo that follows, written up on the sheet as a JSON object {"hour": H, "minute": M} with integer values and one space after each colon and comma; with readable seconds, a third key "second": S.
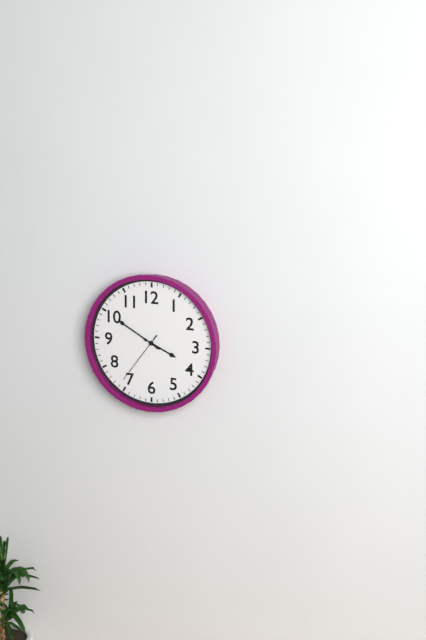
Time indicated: {"hour": 3, "minute": 50, "second": 36}
